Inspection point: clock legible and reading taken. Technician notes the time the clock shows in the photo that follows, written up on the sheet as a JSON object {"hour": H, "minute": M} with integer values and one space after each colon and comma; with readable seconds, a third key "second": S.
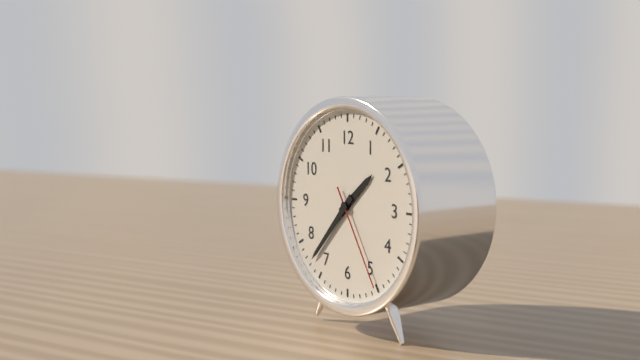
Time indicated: {"hour": 1, "minute": 37, "second": 25}
